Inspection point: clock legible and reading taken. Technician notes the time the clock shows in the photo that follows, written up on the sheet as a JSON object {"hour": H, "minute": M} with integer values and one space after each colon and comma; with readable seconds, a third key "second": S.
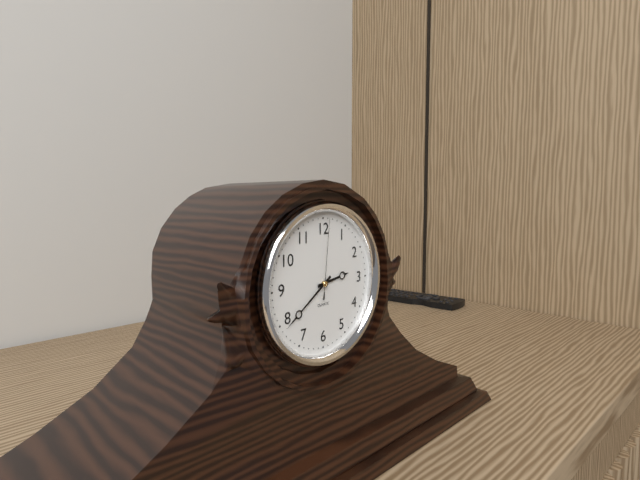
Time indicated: {"hour": 2, "minute": 39, "second": 1}
